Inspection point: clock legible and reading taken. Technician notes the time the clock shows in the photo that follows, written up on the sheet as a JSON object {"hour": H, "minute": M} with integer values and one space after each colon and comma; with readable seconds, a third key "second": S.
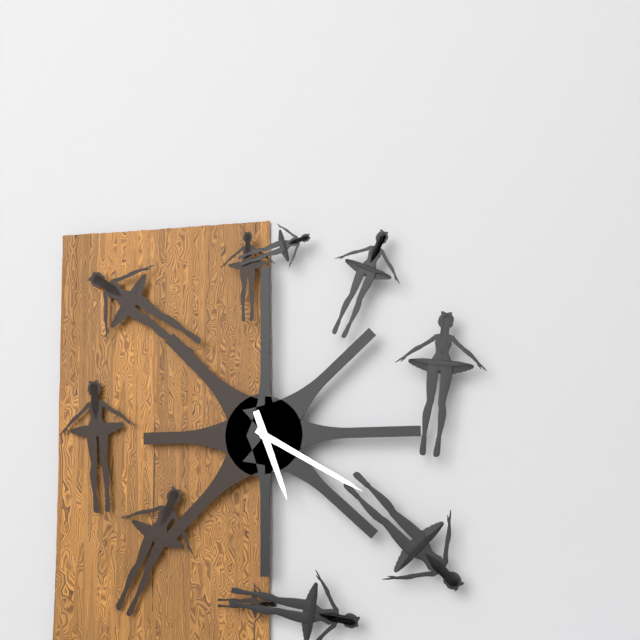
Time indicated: {"hour": 5, "minute": 20}
